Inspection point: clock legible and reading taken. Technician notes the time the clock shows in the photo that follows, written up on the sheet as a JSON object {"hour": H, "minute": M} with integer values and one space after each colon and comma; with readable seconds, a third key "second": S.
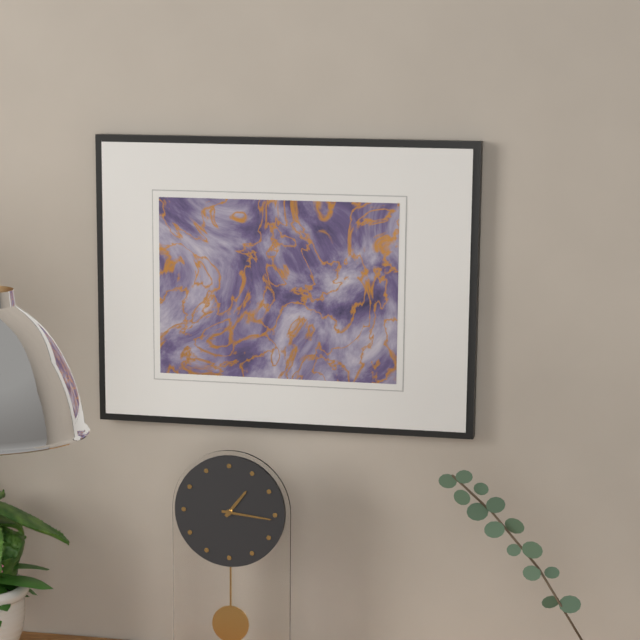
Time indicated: {"hour": 1, "minute": 16}
